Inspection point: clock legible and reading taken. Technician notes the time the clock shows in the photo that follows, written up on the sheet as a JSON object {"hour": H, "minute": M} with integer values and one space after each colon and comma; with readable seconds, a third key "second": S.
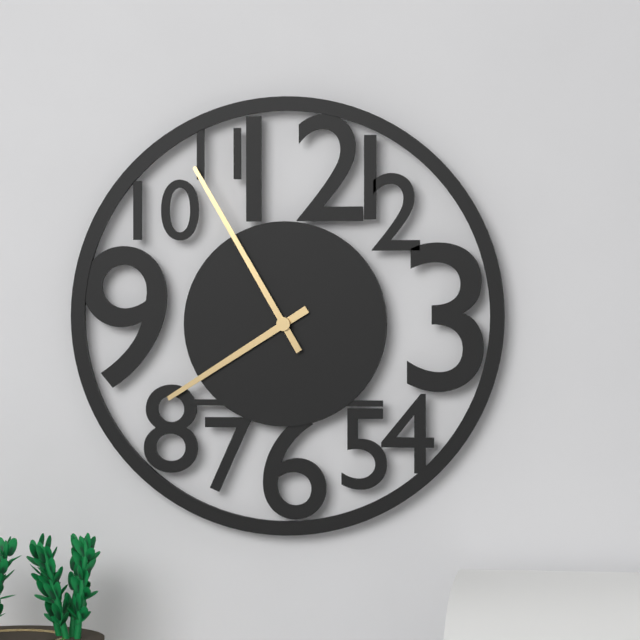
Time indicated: {"hour": 7, "minute": 55}
